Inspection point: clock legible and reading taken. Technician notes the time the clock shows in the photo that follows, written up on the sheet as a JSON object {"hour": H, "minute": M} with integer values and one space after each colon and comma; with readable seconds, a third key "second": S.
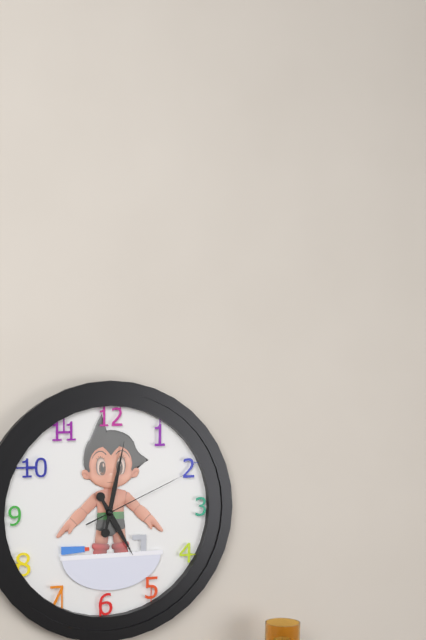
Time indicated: {"hour": 5, "minute": 2, "second": 11}
